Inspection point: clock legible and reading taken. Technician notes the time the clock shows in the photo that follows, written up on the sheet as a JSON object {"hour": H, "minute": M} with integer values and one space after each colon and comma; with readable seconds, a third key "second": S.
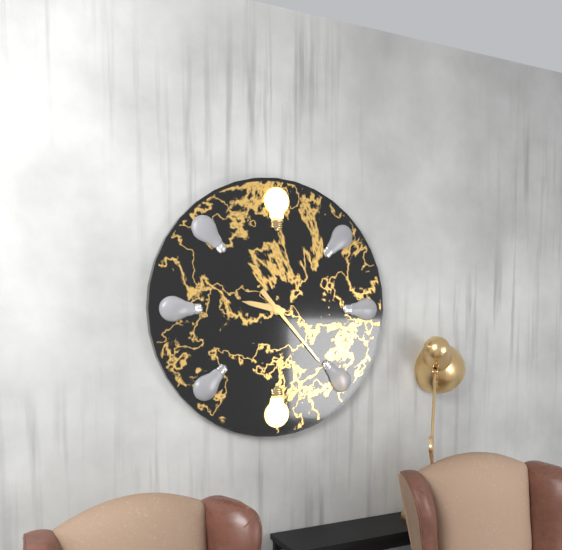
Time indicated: {"hour": 9, "minute": 23}
